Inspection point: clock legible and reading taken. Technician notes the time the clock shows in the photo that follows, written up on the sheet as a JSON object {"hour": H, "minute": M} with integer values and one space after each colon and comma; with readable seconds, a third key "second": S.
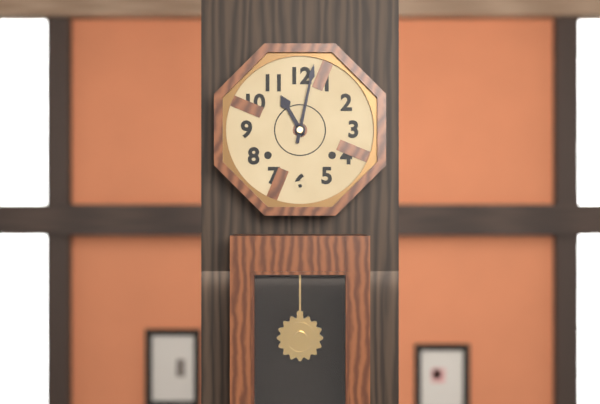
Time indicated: {"hour": 11, "minute": 2}
